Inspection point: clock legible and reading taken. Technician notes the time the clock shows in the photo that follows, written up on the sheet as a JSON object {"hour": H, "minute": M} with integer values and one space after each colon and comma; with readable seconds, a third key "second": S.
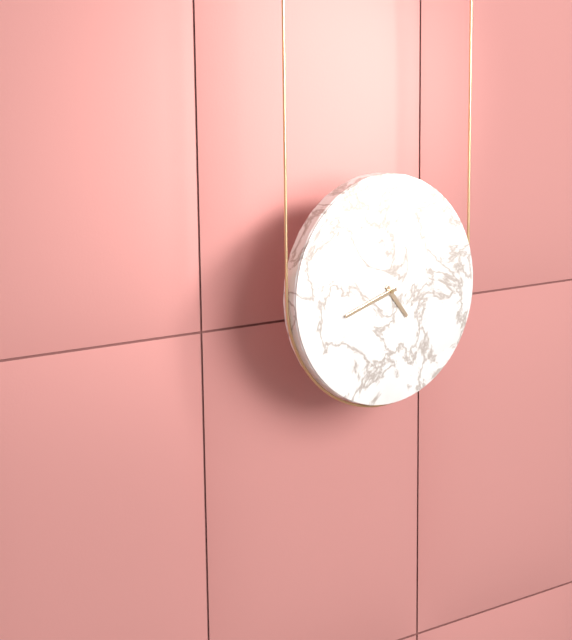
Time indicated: {"hour": 4, "minute": 42}
